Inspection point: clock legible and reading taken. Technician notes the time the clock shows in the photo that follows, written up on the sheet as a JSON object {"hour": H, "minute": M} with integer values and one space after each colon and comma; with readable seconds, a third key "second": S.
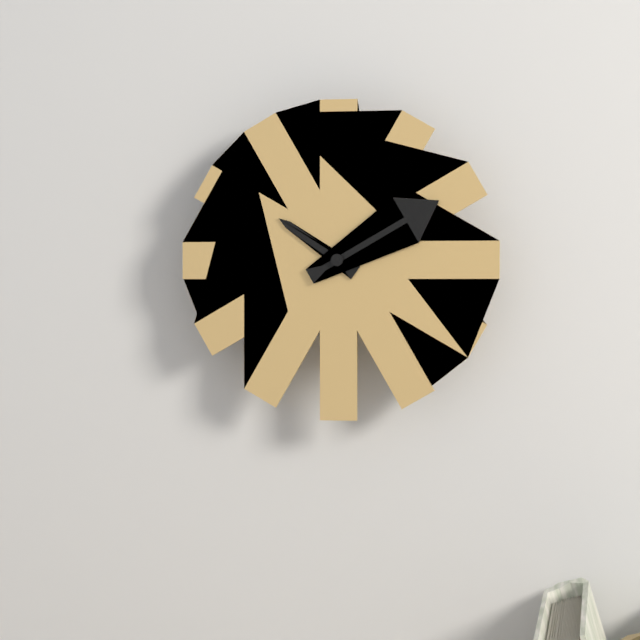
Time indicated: {"hour": 10, "minute": 10}
